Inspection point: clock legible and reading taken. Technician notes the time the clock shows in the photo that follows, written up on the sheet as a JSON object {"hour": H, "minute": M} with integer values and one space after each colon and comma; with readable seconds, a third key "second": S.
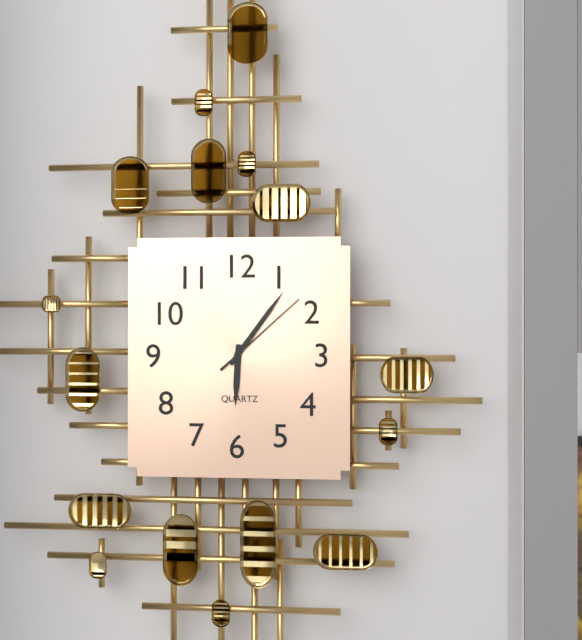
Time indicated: {"hour": 6, "minute": 6, "second": 8}
